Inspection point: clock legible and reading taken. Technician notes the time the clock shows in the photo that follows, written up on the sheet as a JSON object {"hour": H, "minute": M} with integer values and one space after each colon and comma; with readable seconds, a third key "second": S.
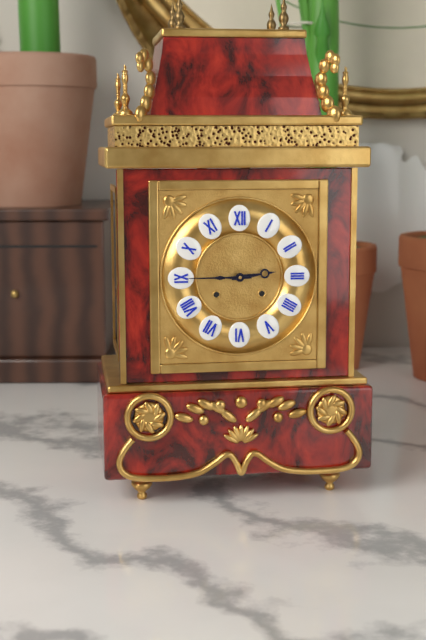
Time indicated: {"hour": 2, "minute": 45}
